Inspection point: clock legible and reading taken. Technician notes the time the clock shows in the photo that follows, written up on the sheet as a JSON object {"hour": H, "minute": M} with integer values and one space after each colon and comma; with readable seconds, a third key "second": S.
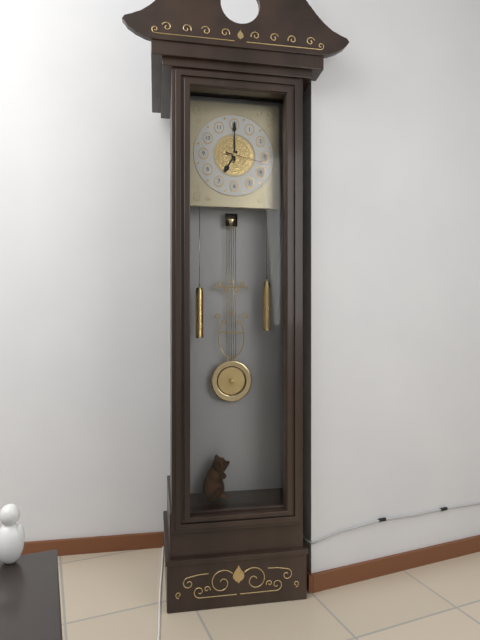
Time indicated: {"hour": 7, "minute": 0}
